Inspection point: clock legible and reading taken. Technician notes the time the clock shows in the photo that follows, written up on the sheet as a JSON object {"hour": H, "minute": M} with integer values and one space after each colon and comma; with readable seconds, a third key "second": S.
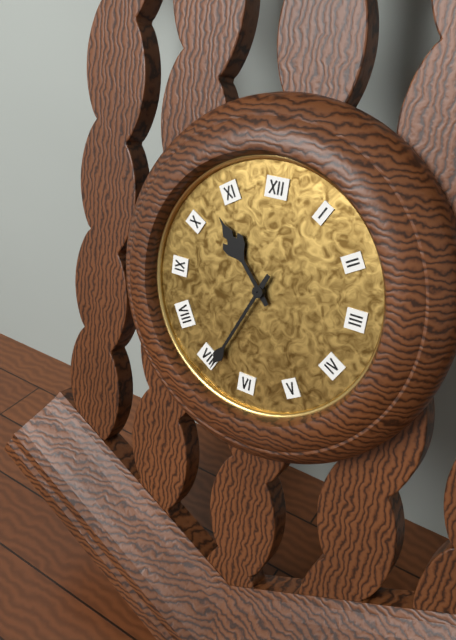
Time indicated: {"hour": 10, "minute": 34}
